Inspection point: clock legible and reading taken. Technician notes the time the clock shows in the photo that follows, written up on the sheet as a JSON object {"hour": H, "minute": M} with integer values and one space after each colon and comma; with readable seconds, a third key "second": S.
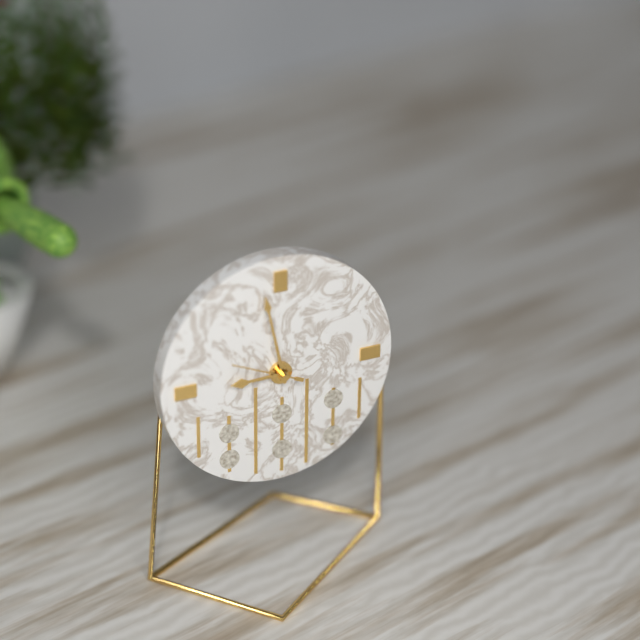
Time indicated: {"hour": 8, "minute": 58}
